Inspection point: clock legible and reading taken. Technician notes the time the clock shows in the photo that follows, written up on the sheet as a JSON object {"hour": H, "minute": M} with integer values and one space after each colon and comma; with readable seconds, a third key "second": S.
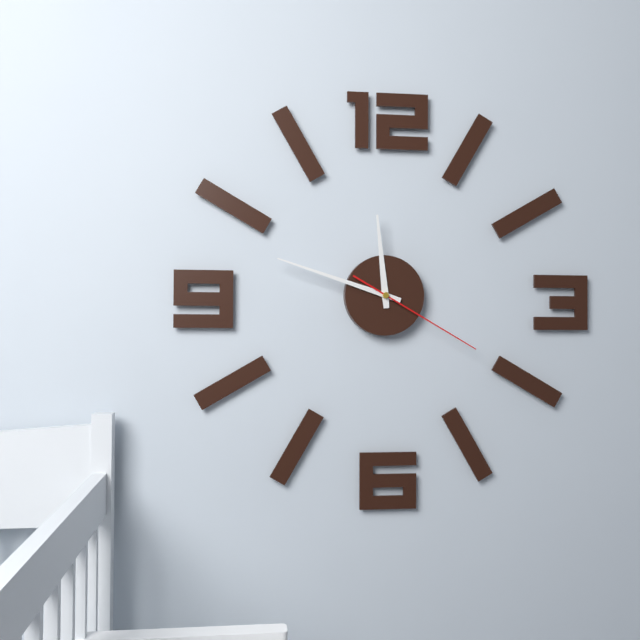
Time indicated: {"hour": 11, "minute": 48, "second": 20}
